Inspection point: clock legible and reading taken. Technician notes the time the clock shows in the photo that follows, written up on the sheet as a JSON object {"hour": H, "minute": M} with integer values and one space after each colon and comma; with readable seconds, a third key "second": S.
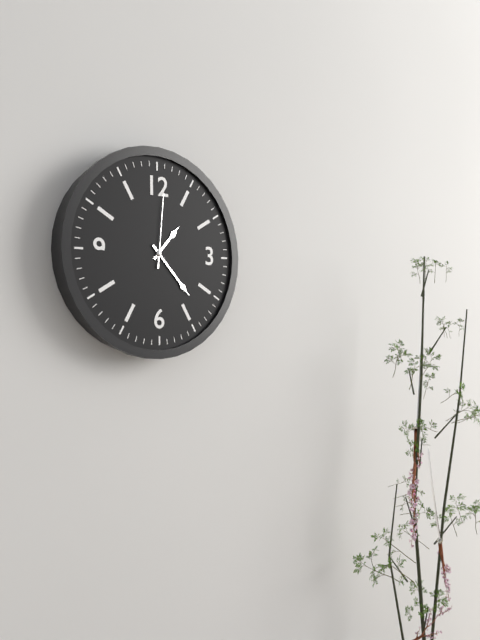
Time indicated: {"hour": 1, "minute": 23, "second": 1}
